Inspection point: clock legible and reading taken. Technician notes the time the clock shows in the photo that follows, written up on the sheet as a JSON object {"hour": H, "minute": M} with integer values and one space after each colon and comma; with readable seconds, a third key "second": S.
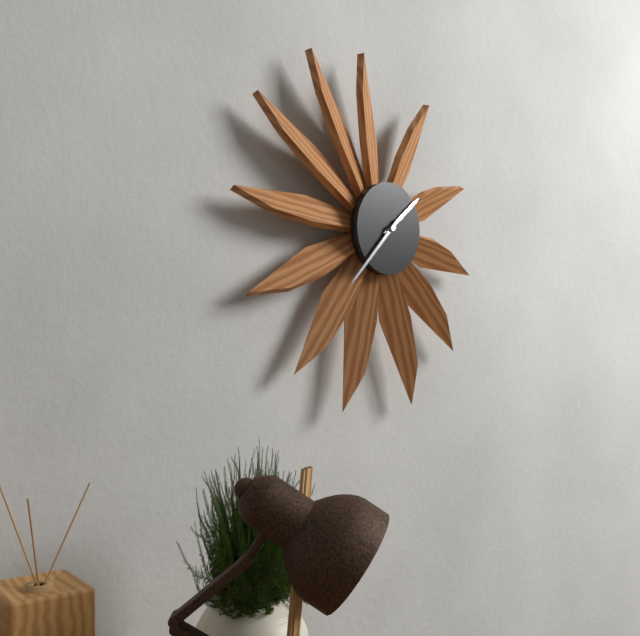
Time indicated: {"hour": 1, "minute": 37}
